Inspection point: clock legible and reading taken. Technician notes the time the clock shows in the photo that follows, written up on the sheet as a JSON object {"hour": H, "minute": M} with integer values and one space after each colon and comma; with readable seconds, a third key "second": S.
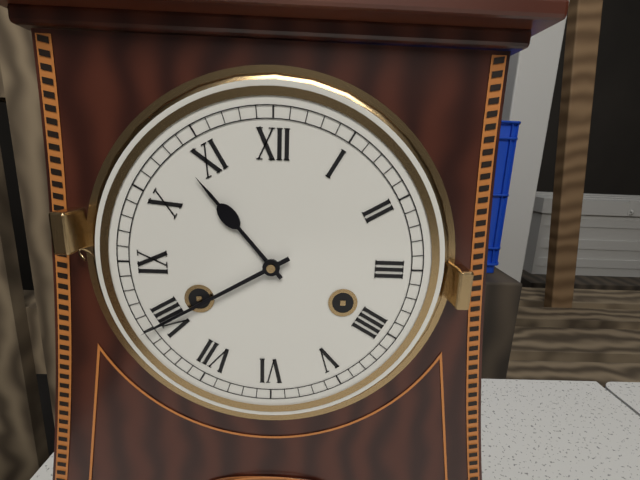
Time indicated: {"hour": 10, "minute": 40}
